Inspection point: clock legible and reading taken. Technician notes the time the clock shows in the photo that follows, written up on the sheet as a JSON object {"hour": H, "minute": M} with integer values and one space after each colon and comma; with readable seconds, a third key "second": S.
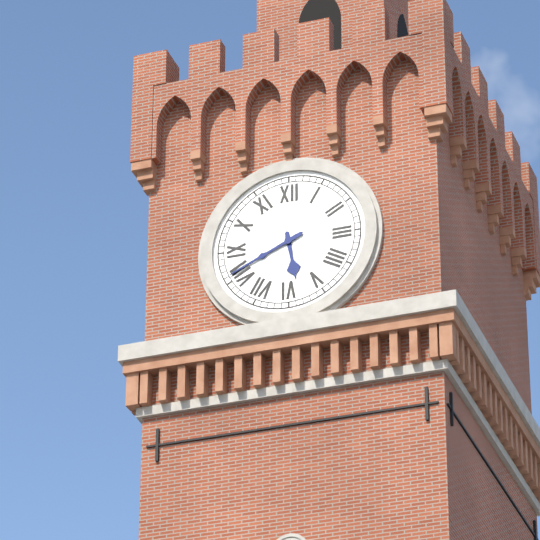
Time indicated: {"hour": 5, "minute": 41}
